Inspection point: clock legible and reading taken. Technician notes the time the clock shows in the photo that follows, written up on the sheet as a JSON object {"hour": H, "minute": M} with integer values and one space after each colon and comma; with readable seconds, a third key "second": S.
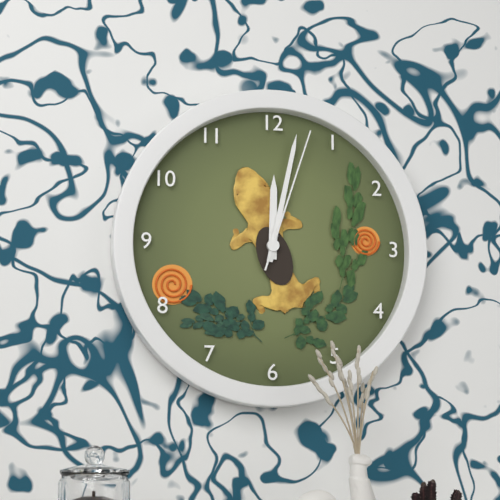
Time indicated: {"hour": 12, "minute": 2, "second": 3}
